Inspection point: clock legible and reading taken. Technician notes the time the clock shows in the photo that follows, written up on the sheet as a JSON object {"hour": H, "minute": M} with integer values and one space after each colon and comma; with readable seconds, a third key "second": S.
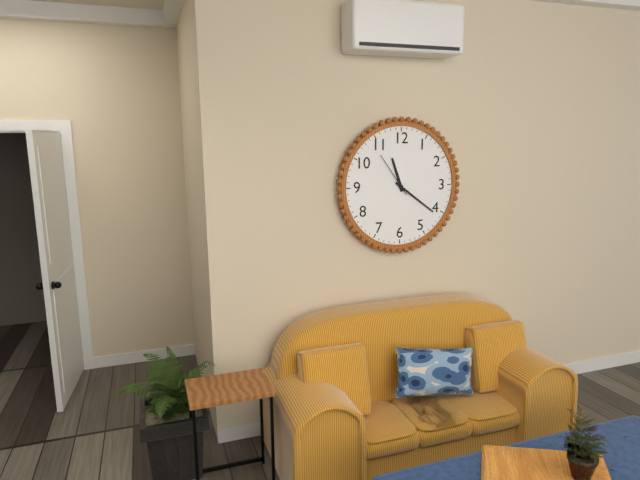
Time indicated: {"hour": 11, "minute": 21}
